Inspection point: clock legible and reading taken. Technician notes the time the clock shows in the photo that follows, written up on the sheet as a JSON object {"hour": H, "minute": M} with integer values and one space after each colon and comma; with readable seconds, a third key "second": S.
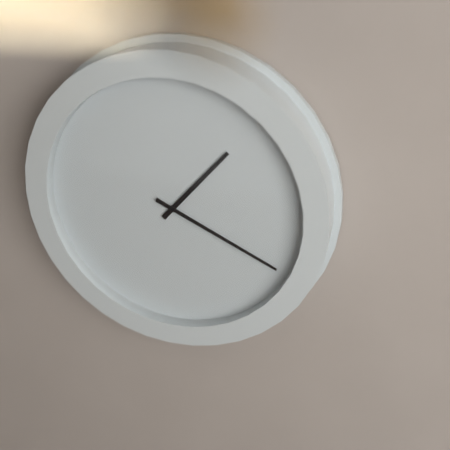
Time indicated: {"hour": 1, "minute": 19}
